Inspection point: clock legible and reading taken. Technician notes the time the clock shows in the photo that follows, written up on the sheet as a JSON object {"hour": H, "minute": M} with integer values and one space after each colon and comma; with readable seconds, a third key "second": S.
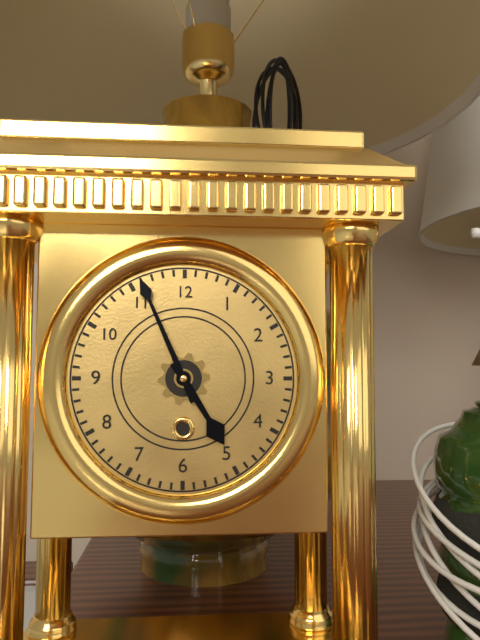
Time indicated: {"hour": 4, "minute": 56}
